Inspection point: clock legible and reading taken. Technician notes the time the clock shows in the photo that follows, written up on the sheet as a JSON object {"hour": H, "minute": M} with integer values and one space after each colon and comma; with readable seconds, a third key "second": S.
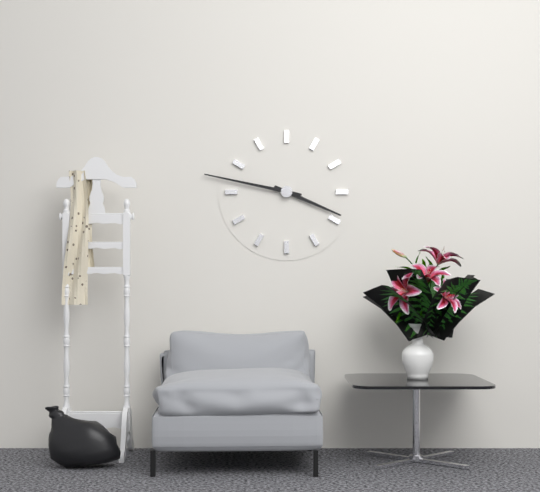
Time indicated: {"hour": 3, "minute": 47}
